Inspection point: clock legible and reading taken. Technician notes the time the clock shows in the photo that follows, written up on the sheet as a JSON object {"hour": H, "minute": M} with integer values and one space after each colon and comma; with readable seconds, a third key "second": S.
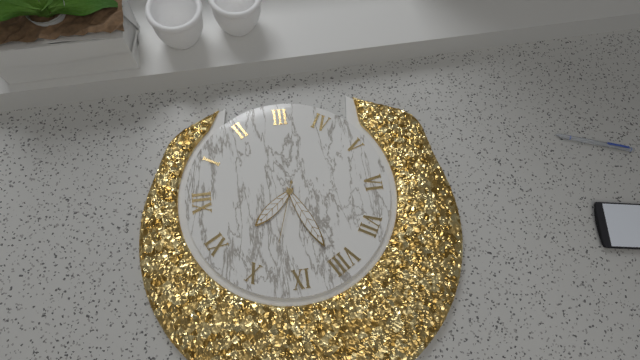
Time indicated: {"hour": 10, "minute": 41, "second": 48}
